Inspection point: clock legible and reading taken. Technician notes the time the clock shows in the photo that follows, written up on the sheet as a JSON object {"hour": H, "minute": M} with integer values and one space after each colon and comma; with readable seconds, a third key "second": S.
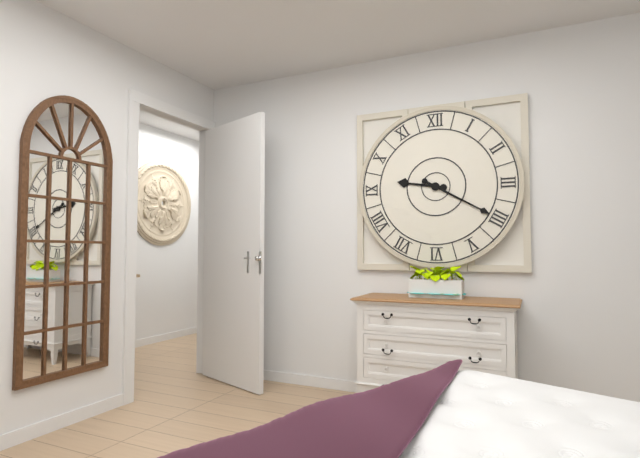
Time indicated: {"hour": 9, "minute": 20}
